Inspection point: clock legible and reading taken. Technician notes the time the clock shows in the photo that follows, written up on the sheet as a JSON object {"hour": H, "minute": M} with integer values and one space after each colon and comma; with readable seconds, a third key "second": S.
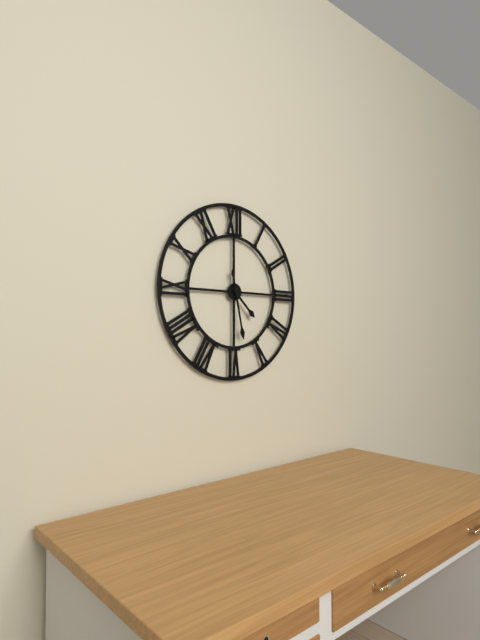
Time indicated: {"hour": 4, "minute": 28}
